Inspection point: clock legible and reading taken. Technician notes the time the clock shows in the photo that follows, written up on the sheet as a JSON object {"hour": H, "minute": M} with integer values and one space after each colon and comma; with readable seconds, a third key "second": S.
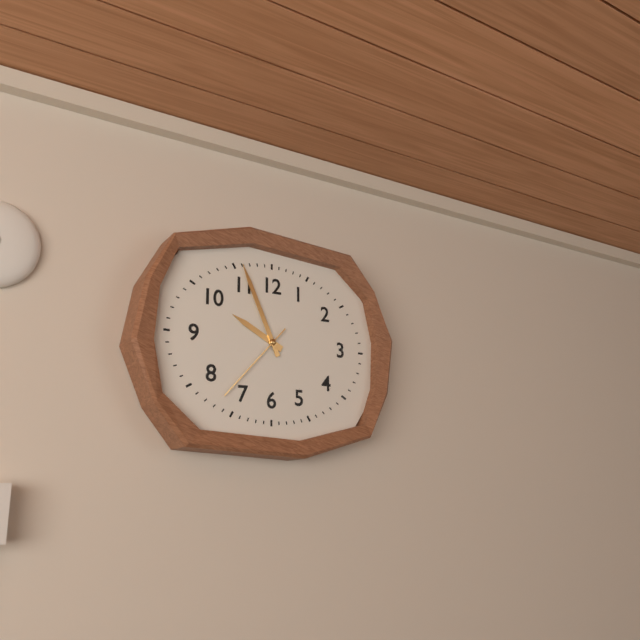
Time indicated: {"hour": 9, "minute": 56, "second": 37}
